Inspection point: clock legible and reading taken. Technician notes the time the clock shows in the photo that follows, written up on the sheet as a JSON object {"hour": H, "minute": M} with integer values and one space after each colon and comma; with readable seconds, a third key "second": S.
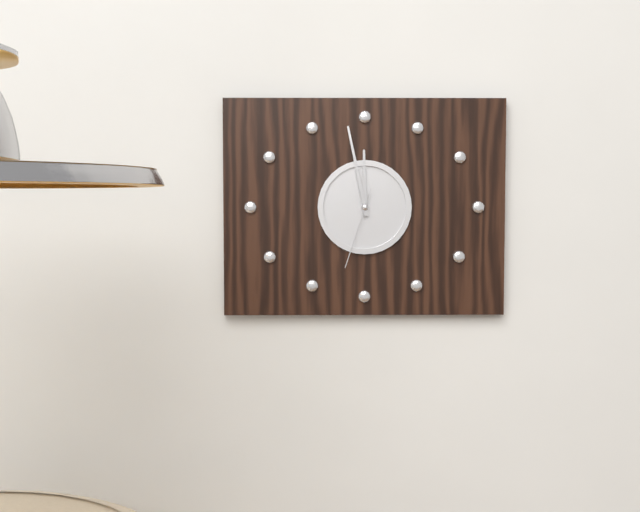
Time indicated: {"hour": 11, "minute": 58, "second": 33}
